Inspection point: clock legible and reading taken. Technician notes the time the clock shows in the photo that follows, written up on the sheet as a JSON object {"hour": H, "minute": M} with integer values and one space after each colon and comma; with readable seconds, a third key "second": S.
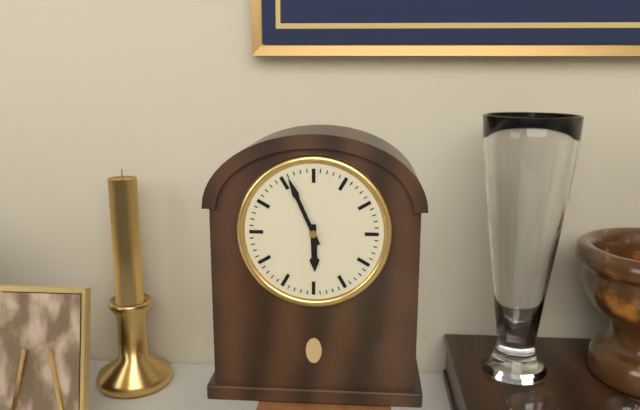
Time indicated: {"hour": 5, "minute": 56}
